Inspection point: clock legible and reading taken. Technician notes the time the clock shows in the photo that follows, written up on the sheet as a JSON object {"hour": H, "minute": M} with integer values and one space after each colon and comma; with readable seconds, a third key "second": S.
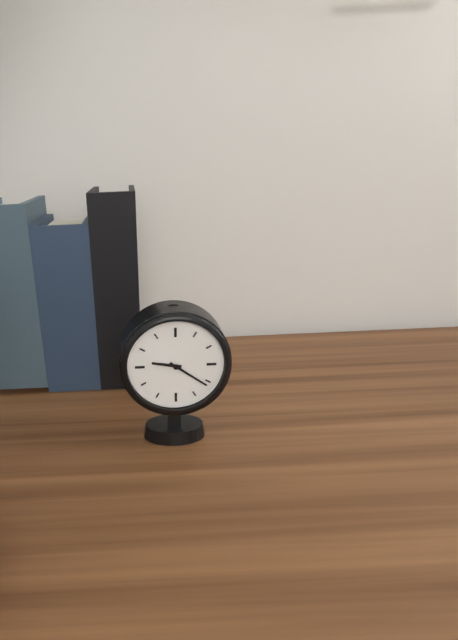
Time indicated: {"hour": 9, "minute": 21}
